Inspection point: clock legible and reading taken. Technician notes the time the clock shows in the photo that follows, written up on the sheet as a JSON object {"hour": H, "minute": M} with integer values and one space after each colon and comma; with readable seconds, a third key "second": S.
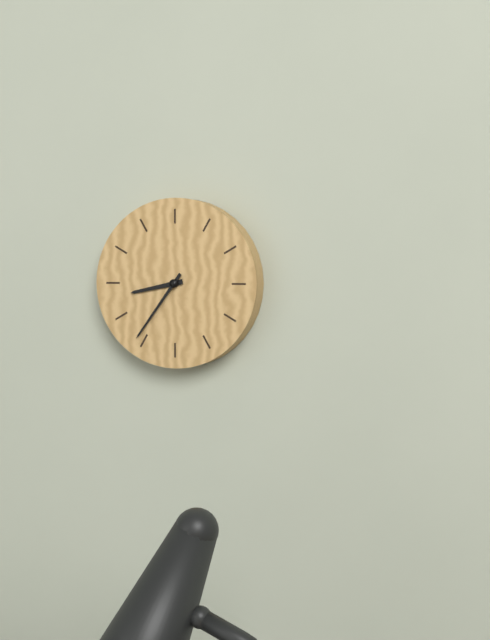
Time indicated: {"hour": 8, "minute": 36}
